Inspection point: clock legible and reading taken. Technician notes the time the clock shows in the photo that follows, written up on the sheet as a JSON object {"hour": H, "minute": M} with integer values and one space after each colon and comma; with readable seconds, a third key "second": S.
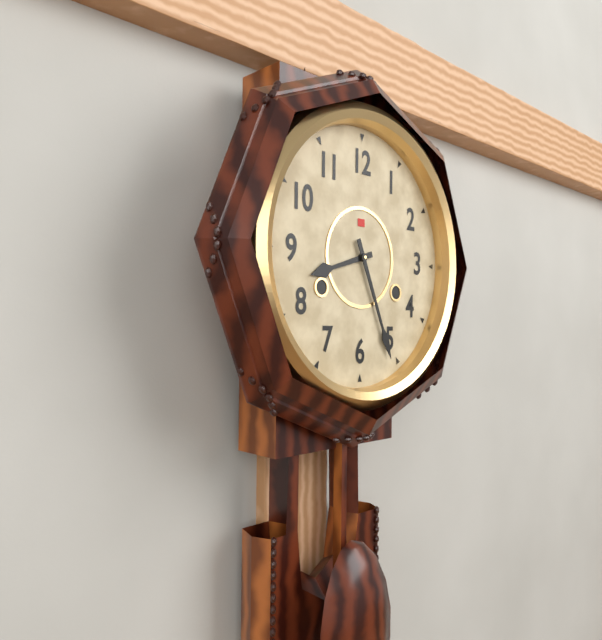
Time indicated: {"hour": 8, "minute": 26}
